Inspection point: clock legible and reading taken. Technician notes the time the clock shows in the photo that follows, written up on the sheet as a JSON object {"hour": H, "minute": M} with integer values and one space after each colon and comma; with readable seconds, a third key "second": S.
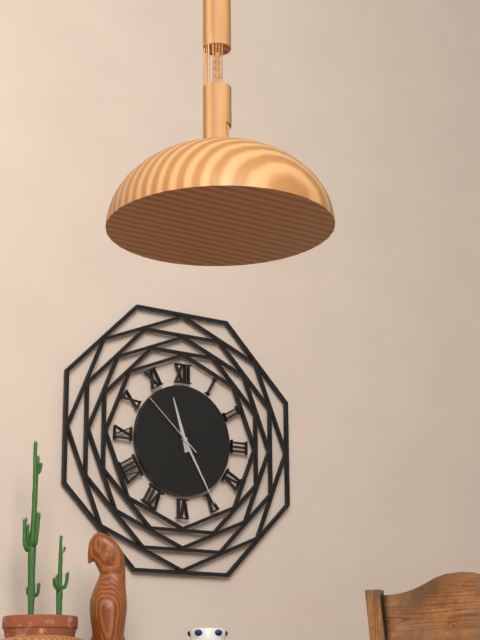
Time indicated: {"hour": 11, "minute": 25, "second": 52}
